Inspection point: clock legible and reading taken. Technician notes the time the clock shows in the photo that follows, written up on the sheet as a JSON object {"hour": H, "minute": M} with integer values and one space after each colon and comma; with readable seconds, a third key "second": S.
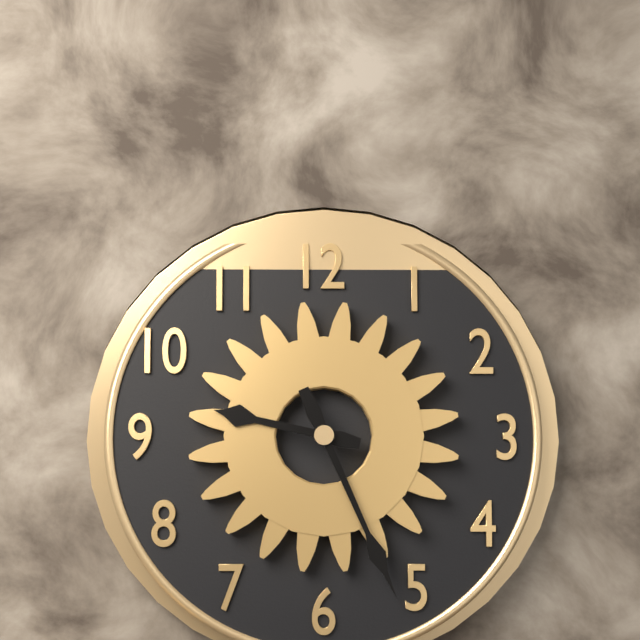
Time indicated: {"hour": 9, "minute": 26}
